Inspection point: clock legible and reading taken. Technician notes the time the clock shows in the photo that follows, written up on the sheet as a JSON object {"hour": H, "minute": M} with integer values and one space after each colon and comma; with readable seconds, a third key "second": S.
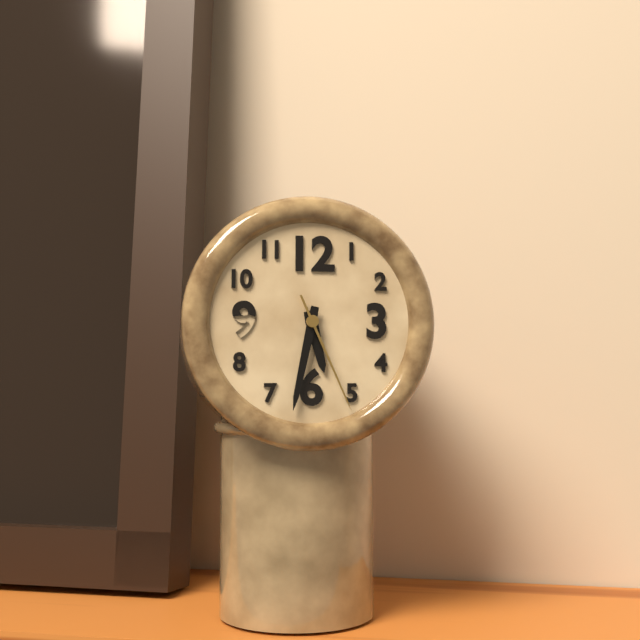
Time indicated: {"hour": 5, "minute": 32, "second": 26}
